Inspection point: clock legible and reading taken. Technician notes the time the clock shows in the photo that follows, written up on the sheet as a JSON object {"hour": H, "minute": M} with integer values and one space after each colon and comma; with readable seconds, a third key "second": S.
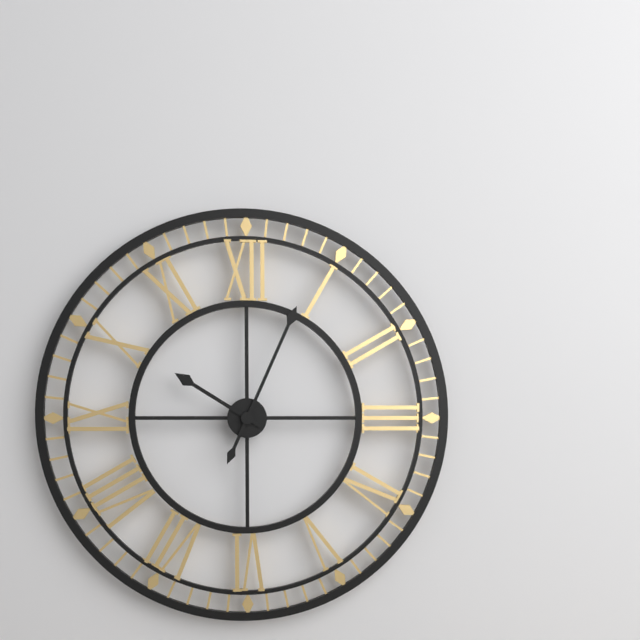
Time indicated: {"hour": 10, "minute": 4}
